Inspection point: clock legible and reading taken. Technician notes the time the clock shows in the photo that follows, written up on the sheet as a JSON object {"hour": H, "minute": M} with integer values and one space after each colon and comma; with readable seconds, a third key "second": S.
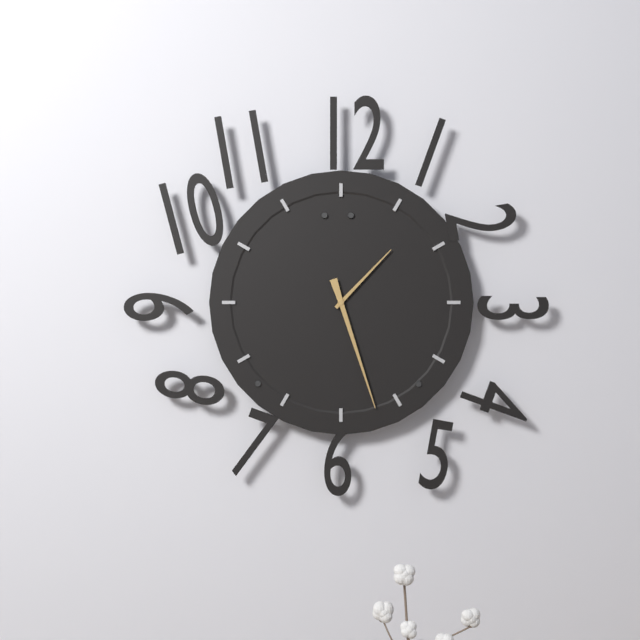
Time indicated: {"hour": 1, "minute": 27}
